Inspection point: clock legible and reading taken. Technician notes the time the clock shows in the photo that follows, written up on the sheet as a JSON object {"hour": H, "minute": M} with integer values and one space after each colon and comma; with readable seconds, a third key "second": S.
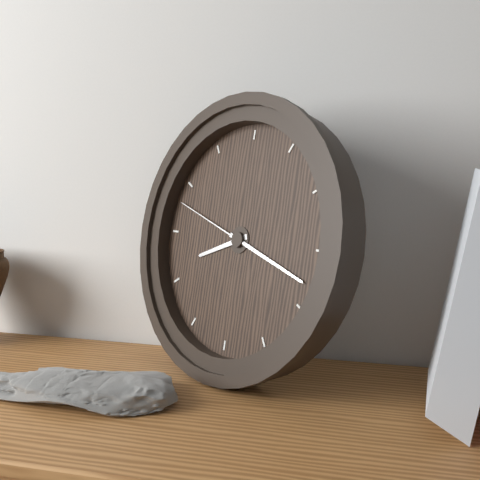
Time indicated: {"hour": 8, "minute": 18, "second": 48}
